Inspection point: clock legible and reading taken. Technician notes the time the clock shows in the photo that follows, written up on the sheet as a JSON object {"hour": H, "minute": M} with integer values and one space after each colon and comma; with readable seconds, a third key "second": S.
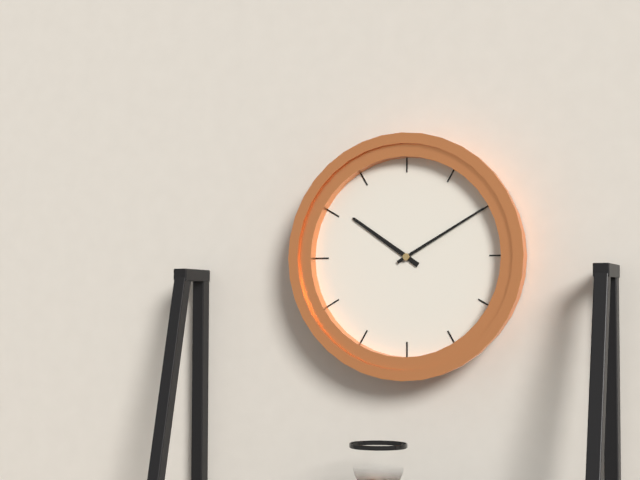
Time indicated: {"hour": 10, "minute": 10}
